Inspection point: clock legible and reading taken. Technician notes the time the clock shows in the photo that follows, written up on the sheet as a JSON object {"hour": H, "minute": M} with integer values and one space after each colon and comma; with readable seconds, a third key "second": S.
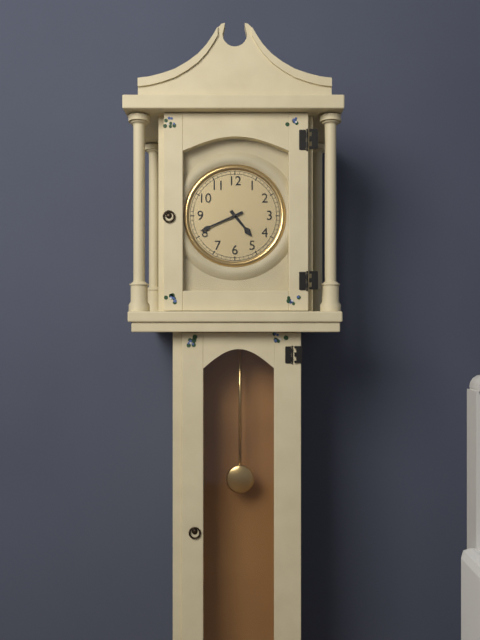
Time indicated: {"hour": 4, "minute": 41}
